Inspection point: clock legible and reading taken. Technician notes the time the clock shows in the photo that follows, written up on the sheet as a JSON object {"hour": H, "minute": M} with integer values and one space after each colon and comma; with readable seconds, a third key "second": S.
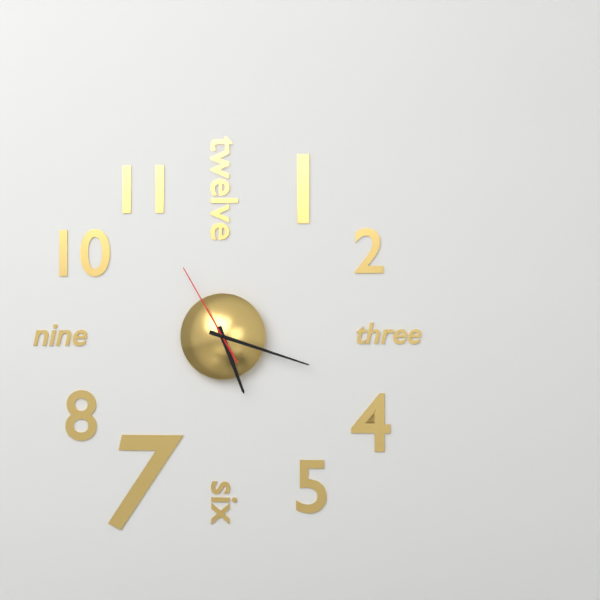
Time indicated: {"hour": 5, "minute": 18, "second": 55}
